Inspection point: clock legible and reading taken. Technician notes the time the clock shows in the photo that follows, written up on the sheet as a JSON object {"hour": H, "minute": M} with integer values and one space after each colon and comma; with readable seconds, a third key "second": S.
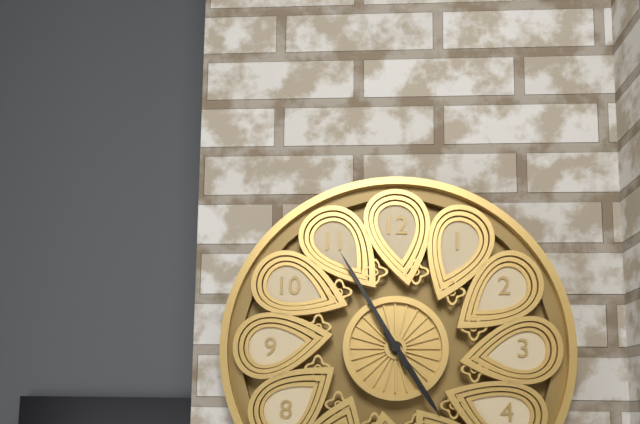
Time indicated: {"hour": 4, "minute": 55}
